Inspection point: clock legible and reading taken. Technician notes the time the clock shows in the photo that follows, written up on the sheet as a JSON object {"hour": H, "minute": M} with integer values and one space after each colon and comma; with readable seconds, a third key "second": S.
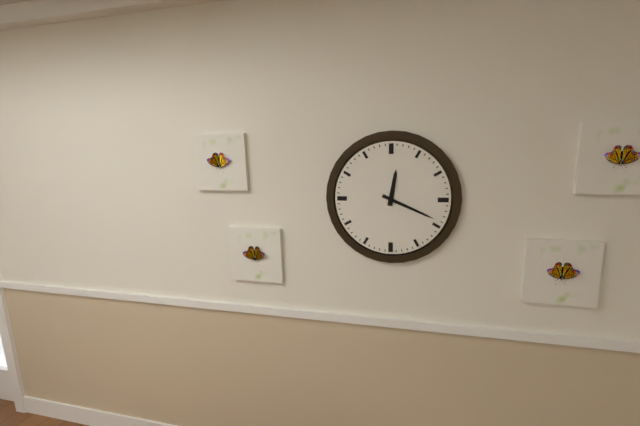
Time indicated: {"hour": 12, "minute": 19}
